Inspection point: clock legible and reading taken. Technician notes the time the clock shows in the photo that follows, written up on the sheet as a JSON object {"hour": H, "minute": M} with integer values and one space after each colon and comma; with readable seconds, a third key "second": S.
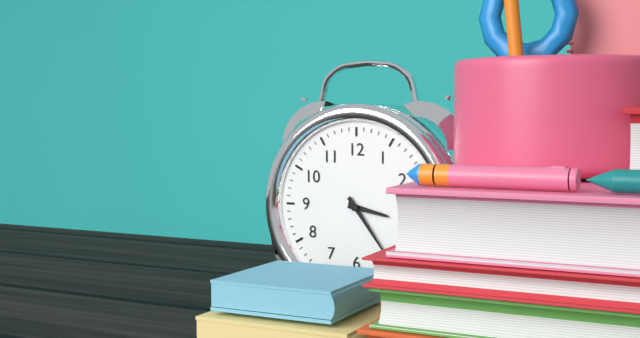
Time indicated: {"hour": 3, "minute": 24}
